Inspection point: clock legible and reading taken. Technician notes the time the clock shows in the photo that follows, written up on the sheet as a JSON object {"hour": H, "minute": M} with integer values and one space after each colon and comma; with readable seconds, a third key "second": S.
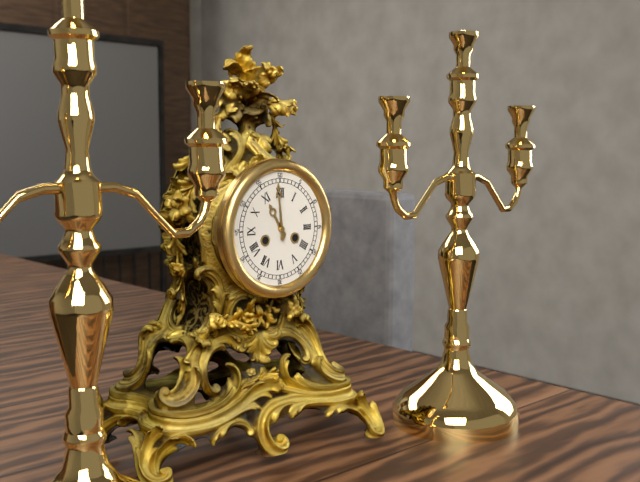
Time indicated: {"hour": 10, "minute": 59}
